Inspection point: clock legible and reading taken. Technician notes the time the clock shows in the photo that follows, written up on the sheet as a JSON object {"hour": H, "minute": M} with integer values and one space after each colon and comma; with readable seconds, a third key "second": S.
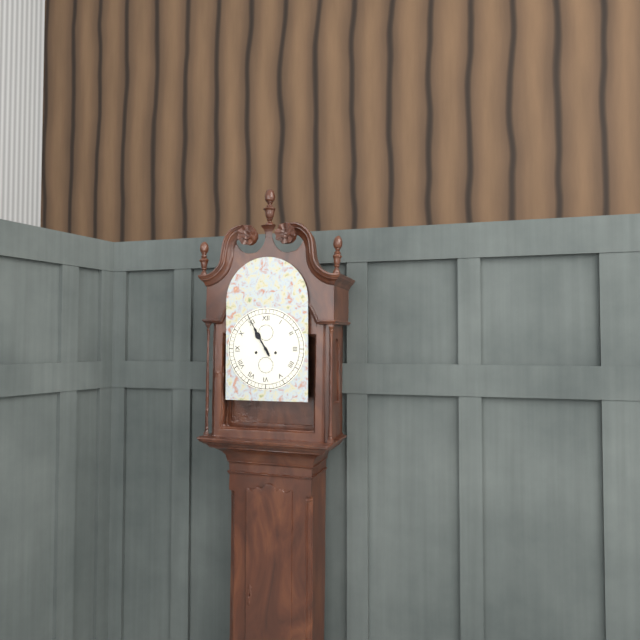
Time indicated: {"hour": 10, "minute": 55}
